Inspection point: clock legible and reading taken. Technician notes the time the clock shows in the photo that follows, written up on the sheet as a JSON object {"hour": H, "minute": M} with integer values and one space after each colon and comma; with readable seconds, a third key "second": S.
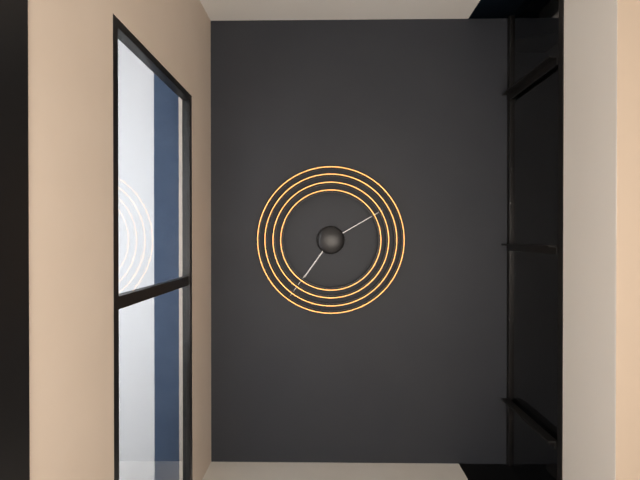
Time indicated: {"hour": 7, "minute": 10, "second": 36}
